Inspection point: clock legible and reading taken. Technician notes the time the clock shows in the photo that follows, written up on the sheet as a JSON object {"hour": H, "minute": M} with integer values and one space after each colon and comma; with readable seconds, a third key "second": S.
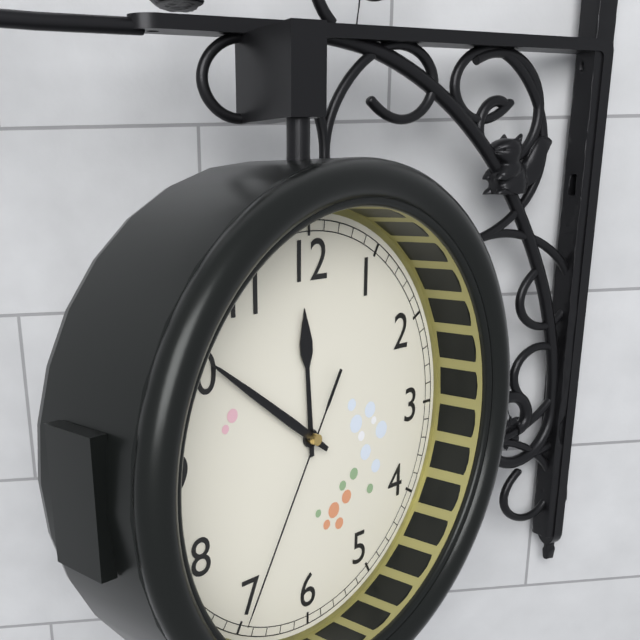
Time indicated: {"hour": 11, "minute": 51, "second": 35}
